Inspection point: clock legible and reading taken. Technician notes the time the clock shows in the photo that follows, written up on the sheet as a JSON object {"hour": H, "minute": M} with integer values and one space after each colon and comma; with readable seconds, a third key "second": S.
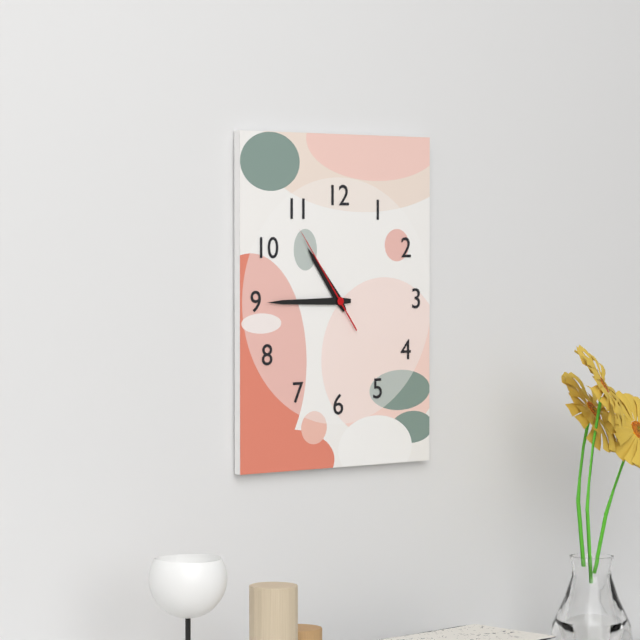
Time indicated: {"hour": 10, "minute": 45, "second": 54}
